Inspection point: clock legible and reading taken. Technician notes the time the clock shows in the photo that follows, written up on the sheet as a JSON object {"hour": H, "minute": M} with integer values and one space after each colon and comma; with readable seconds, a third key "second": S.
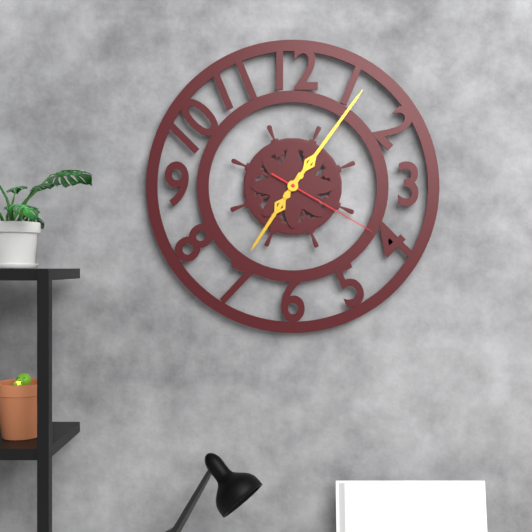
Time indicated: {"hour": 7, "minute": 6, "second": 20}
